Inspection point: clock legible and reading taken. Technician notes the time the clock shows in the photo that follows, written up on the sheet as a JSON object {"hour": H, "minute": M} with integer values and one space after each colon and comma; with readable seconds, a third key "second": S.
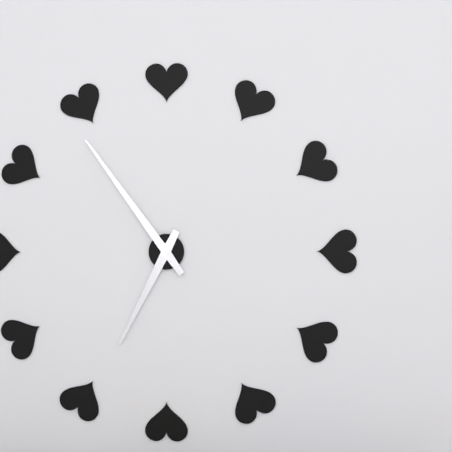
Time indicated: {"hour": 6, "minute": 54}
